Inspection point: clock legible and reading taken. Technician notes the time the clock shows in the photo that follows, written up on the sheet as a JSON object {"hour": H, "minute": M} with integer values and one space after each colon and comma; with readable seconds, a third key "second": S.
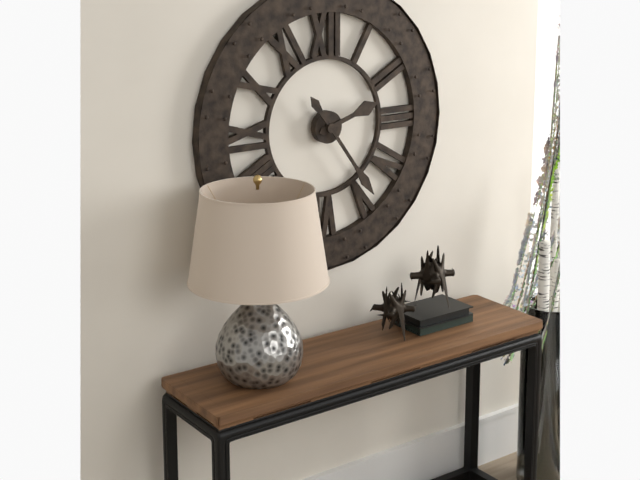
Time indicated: {"hour": 2, "minute": 24}
